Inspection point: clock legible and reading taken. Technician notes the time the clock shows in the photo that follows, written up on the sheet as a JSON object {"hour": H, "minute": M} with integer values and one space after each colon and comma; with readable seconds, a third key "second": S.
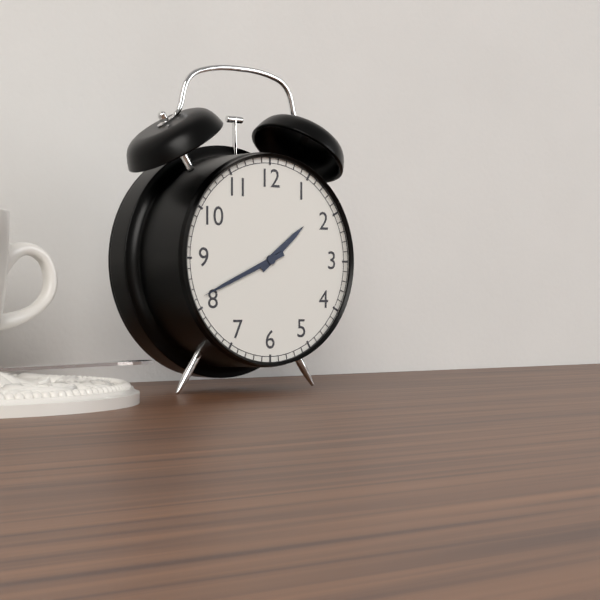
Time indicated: {"hour": 1, "minute": 41}
